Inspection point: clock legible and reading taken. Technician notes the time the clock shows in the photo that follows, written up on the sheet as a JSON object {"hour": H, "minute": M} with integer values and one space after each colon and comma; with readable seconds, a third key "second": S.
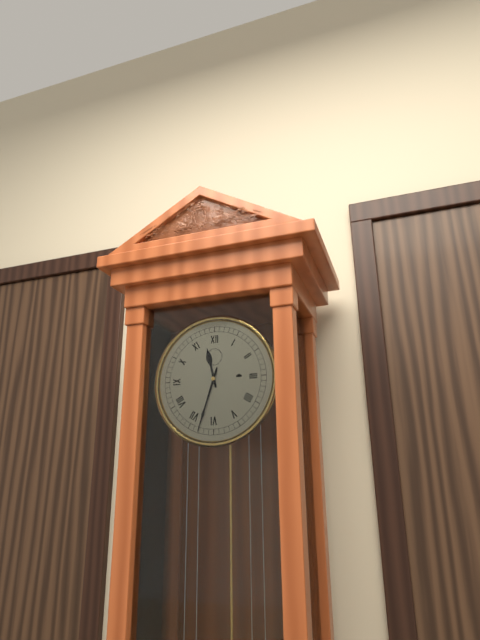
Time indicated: {"hour": 11, "minute": 33}
